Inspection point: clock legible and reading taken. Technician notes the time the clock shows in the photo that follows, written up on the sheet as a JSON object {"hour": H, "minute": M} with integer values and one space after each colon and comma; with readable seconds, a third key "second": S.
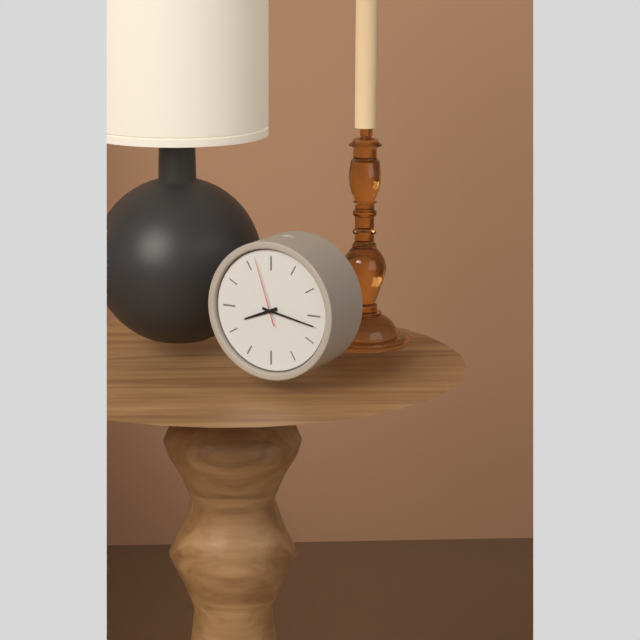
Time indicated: {"hour": 8, "minute": 17, "second": 57}
